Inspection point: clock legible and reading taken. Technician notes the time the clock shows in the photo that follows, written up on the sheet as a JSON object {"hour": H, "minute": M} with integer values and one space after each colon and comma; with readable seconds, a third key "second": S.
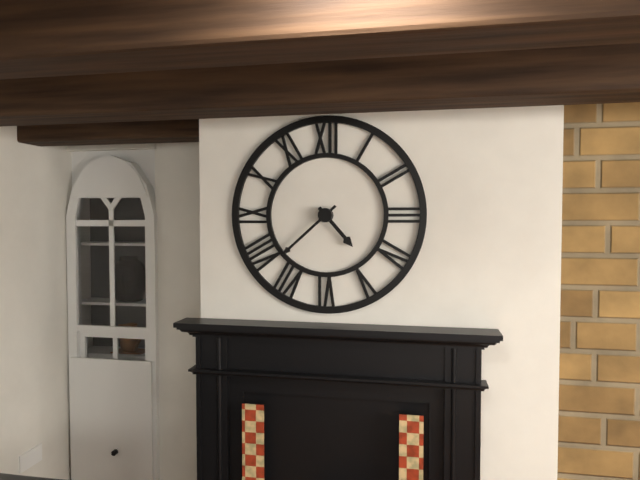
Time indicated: {"hour": 4, "minute": 38}
